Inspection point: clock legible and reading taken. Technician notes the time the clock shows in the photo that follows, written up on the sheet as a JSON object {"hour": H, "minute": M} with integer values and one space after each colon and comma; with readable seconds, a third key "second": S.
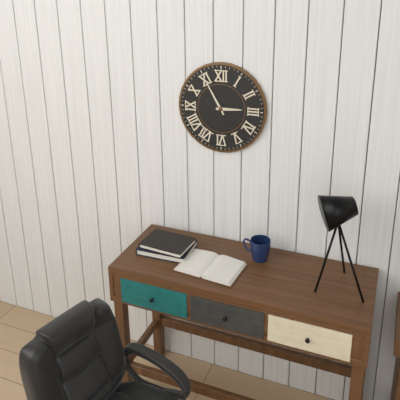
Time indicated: {"hour": 2, "minute": 55}
